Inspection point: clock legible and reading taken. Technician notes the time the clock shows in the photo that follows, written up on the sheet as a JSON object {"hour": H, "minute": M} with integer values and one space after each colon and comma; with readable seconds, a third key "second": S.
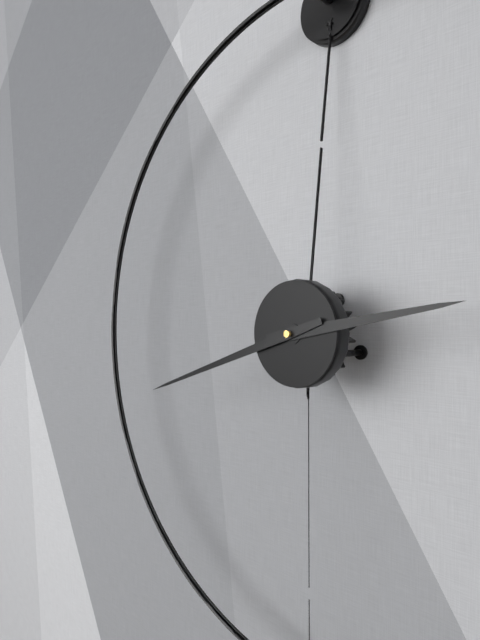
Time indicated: {"hour": 2, "minute": 42}
